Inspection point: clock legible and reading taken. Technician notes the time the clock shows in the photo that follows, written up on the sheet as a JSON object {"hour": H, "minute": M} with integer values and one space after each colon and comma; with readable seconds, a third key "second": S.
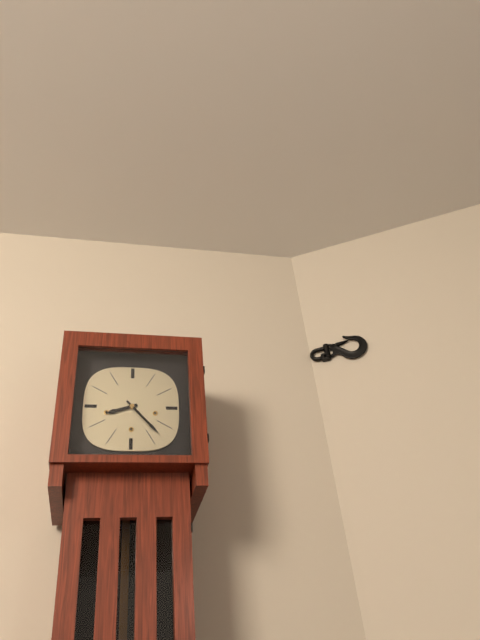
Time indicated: {"hour": 8, "minute": 23}
